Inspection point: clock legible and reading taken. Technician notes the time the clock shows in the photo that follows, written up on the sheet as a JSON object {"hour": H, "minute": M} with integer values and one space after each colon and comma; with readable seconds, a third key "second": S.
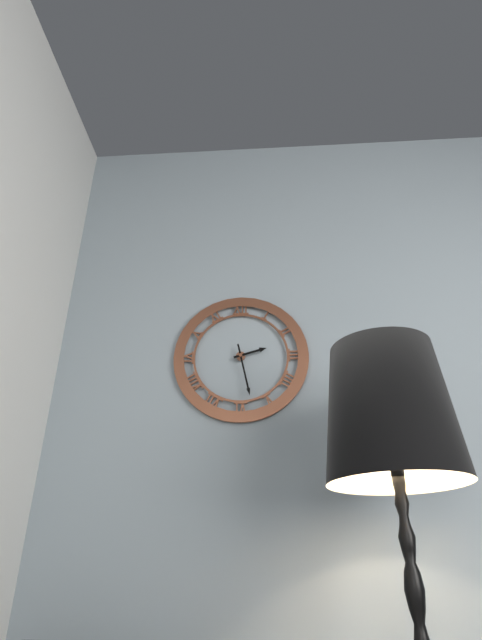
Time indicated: {"hour": 2, "minute": 28}
